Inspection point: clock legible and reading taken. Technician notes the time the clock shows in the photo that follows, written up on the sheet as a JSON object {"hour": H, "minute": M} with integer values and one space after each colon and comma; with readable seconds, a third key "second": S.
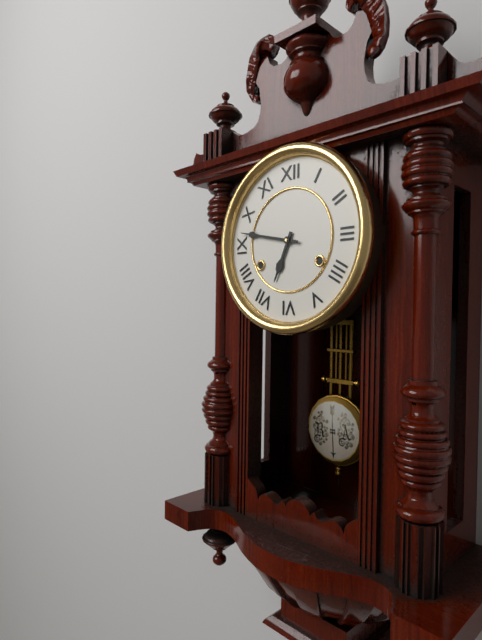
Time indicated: {"hour": 6, "minute": 47}
